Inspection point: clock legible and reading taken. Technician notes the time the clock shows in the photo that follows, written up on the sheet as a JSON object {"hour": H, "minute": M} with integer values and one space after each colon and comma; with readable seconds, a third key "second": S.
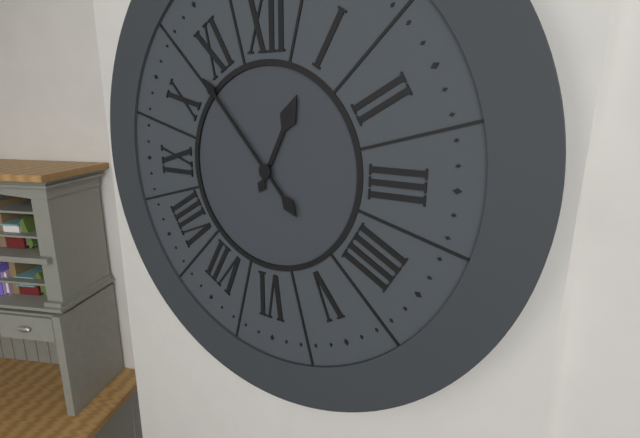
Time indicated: {"hour": 12, "minute": 53}
